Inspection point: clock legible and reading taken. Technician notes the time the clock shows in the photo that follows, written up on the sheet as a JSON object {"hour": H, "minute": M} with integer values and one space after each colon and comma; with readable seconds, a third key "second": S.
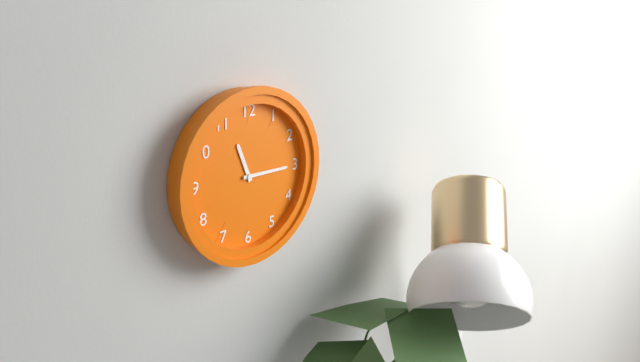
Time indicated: {"hour": 11, "minute": 15}
